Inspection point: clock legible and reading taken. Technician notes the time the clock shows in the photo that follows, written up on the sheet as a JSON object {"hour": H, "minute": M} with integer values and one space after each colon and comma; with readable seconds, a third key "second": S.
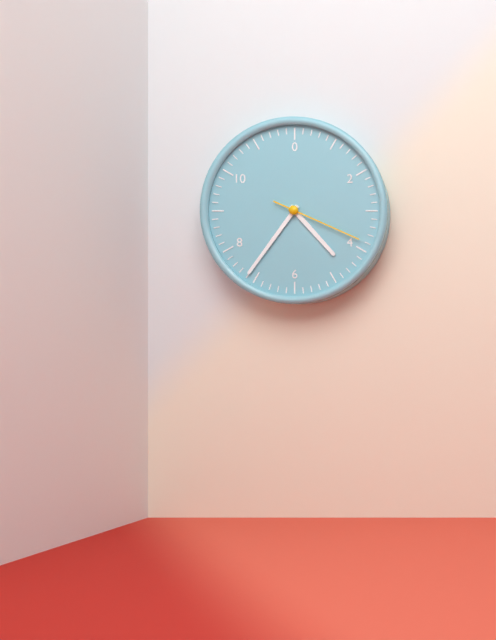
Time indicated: {"hour": 4, "minute": 36, "second": 19}
